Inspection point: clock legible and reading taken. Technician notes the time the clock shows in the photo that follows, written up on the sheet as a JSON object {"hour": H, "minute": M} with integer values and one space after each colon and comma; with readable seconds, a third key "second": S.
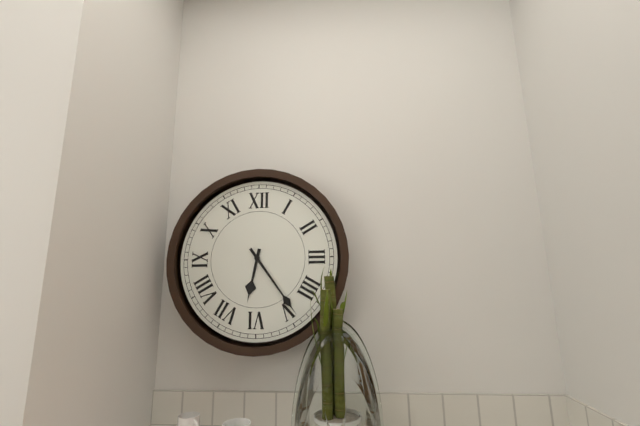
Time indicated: {"hour": 6, "minute": 24}
